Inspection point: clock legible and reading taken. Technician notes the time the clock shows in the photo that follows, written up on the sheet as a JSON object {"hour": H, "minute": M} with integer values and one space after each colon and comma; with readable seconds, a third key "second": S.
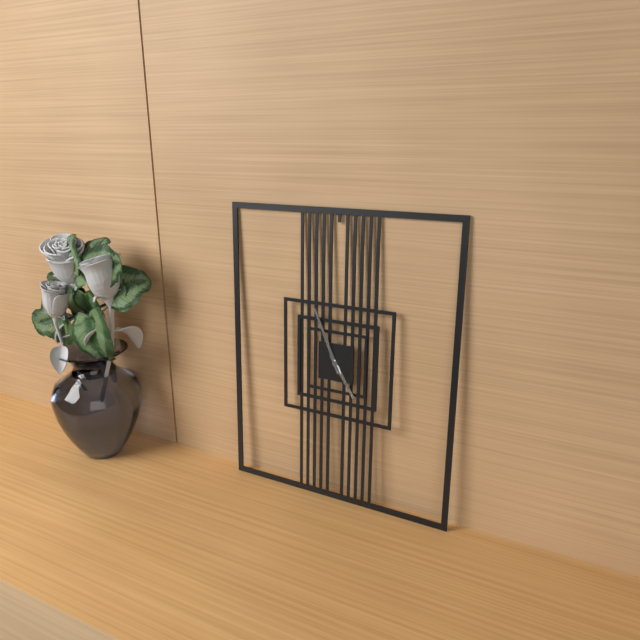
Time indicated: {"hour": 4, "minute": 56}
